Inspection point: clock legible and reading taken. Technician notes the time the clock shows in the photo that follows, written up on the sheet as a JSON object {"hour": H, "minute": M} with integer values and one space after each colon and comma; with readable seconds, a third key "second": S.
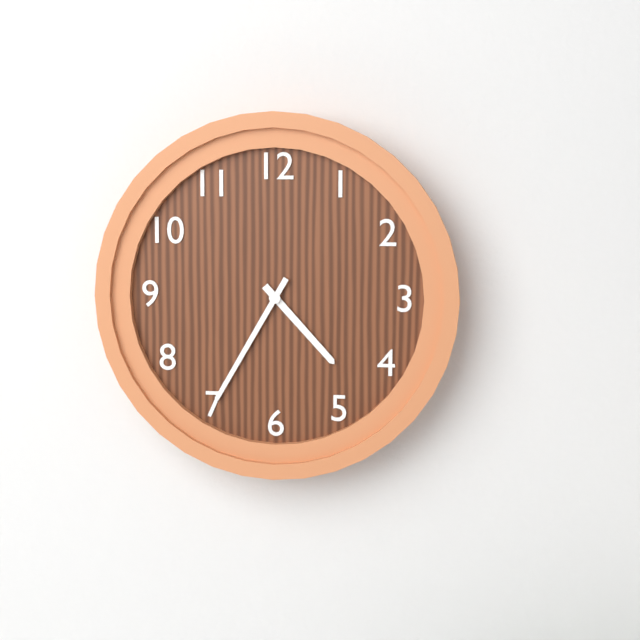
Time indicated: {"hour": 4, "minute": 35}
